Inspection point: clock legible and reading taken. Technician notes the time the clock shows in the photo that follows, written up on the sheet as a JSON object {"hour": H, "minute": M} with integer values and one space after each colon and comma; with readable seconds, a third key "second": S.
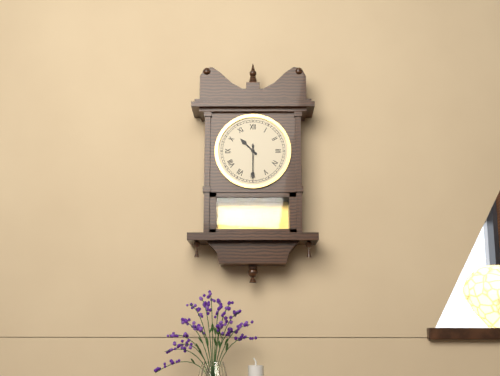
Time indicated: {"hour": 10, "minute": 30}
